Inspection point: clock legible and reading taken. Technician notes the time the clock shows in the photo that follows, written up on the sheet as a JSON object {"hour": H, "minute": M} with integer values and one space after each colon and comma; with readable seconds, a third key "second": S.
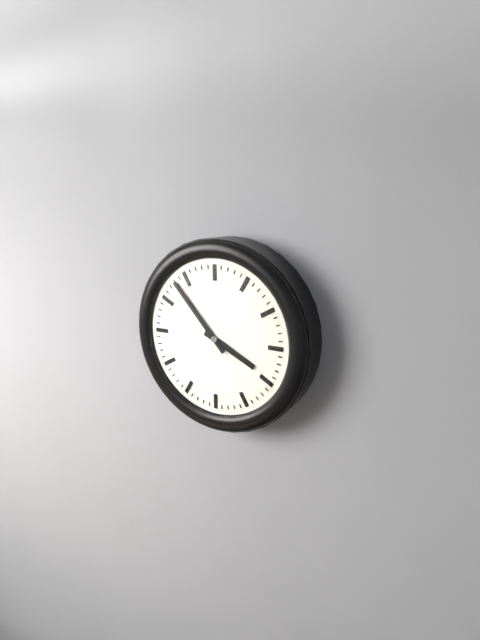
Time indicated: {"hour": 3, "minute": 53}
